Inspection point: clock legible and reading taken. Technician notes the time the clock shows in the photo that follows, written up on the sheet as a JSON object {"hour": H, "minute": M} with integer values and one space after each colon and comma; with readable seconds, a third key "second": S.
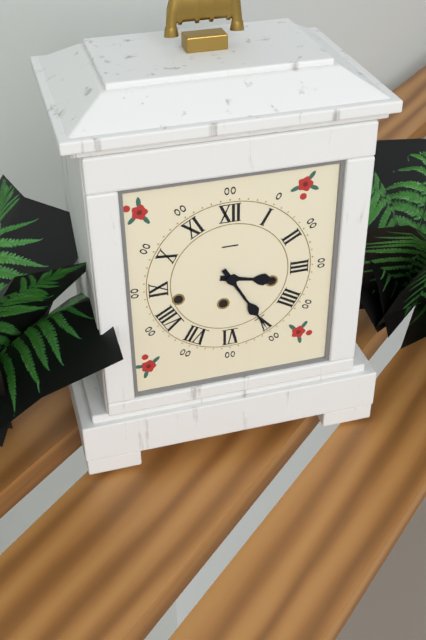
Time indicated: {"hour": 3, "minute": 25}
